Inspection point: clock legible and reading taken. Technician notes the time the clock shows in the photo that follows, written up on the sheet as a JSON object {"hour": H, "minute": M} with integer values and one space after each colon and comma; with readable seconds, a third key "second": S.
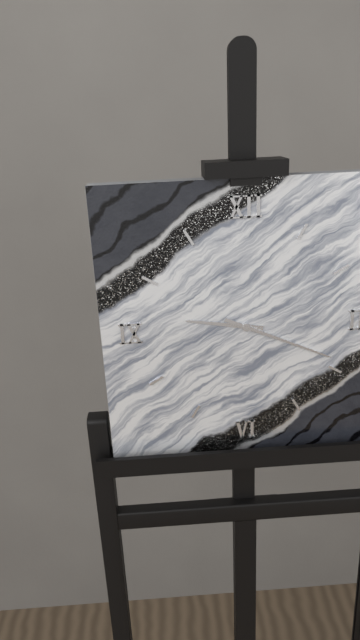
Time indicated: {"hour": 9, "minute": 19}
